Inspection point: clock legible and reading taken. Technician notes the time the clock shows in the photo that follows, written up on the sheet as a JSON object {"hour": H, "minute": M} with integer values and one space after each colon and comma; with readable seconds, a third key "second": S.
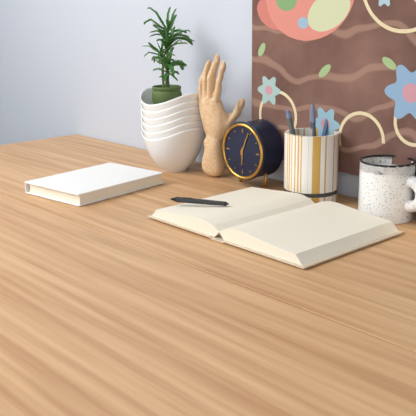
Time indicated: {"hour": 6, "minute": 4}
